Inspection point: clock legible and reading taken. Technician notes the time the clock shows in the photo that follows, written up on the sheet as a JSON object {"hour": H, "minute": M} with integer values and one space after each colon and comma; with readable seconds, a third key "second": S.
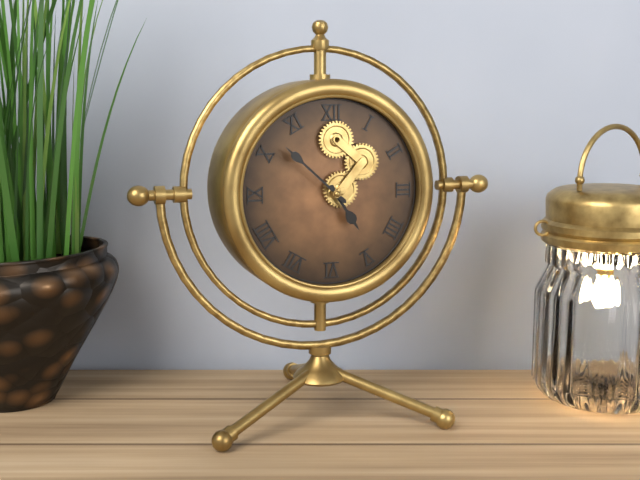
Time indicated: {"hour": 4, "minute": 52}
